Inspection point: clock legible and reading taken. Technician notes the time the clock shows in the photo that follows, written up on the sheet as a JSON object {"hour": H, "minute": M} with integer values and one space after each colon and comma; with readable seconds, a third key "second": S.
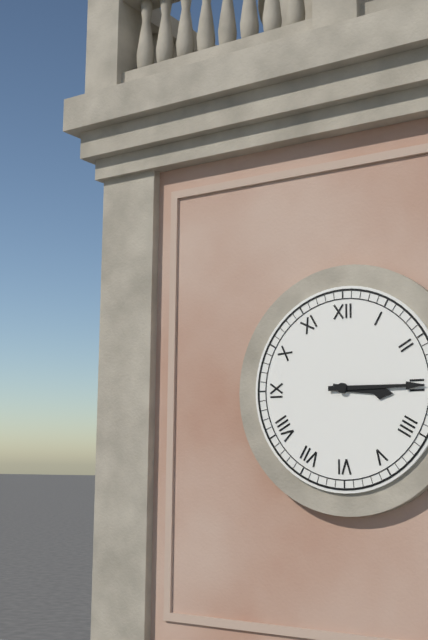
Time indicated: {"hour": 3, "minute": 15}
